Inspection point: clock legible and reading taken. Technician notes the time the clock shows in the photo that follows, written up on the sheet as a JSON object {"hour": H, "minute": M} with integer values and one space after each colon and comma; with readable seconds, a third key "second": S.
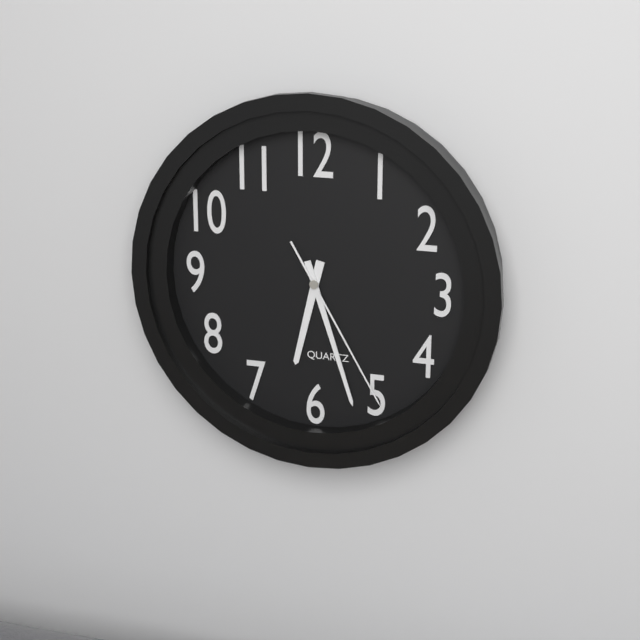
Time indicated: {"hour": 6, "minute": 27, "second": 25}
